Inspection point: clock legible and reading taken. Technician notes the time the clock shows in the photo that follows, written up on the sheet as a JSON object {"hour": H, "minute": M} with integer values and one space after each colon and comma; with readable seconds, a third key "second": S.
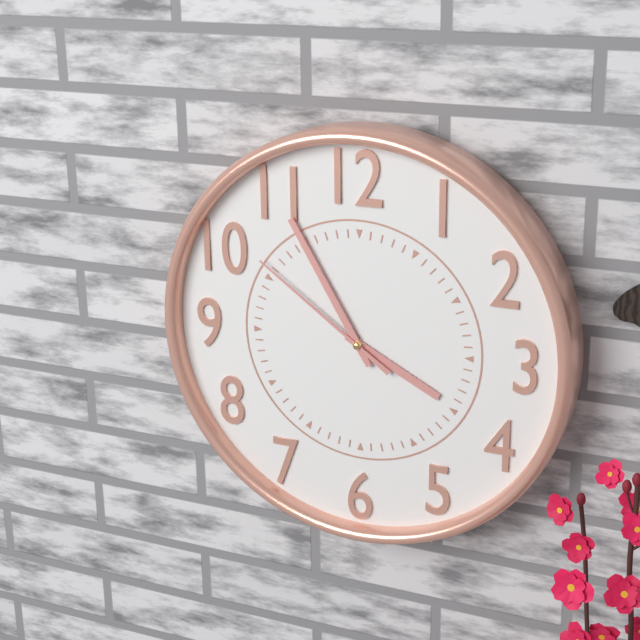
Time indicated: {"hour": 3, "minute": 55, "second": 51}
